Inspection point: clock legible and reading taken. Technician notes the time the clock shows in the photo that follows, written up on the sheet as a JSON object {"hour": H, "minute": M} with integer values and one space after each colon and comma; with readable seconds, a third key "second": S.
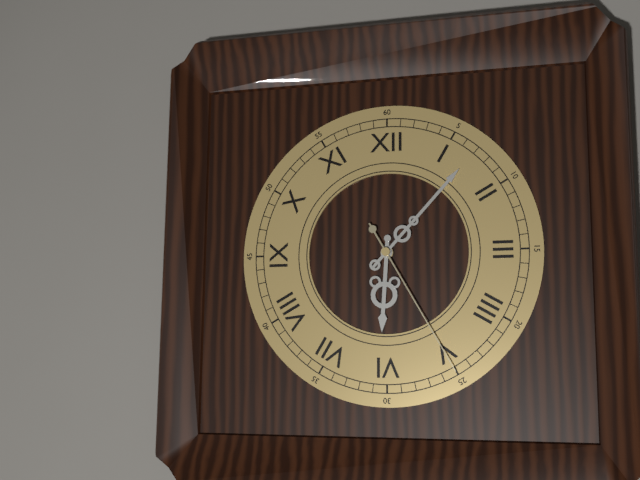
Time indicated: {"hour": 6, "minute": 7, "second": 25}
